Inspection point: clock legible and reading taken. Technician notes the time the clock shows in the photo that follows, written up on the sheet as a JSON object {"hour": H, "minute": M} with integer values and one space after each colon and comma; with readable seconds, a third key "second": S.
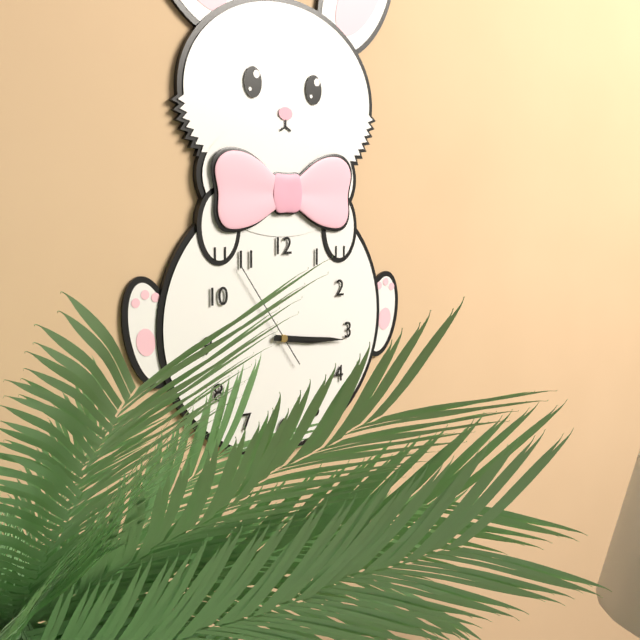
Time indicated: {"hour": 3, "minute": 16, "second": 54}
